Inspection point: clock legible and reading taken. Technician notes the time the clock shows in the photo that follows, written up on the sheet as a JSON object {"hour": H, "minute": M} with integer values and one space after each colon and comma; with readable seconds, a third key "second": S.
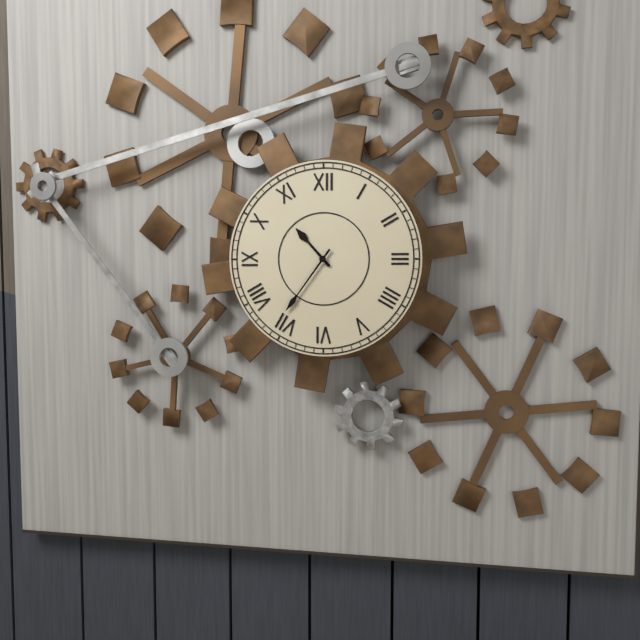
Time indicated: {"hour": 10, "minute": 36}
